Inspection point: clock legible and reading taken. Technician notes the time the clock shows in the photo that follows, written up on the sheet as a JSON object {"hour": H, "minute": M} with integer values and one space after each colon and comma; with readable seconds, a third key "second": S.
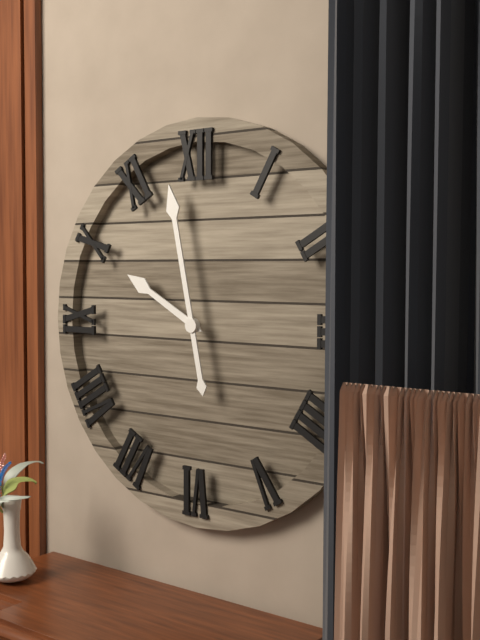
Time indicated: {"hour": 9, "minute": 58}
